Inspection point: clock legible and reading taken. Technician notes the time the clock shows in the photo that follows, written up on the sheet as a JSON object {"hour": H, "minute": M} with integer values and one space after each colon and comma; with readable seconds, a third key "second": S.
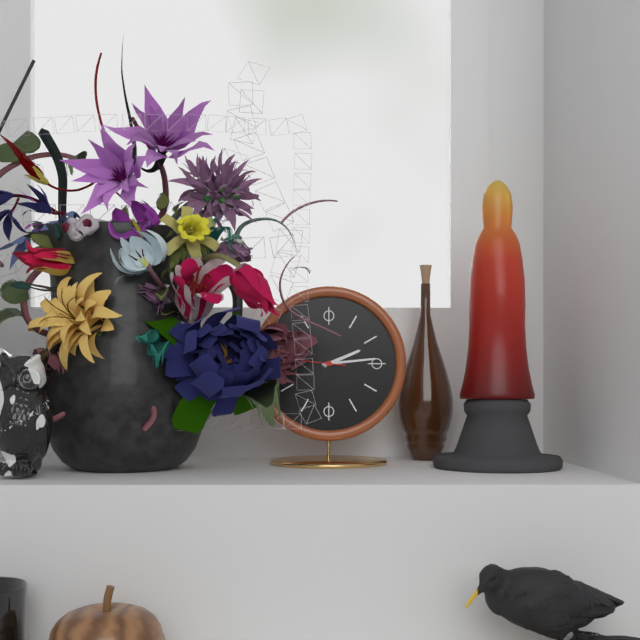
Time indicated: {"hour": 2, "minute": 14}
